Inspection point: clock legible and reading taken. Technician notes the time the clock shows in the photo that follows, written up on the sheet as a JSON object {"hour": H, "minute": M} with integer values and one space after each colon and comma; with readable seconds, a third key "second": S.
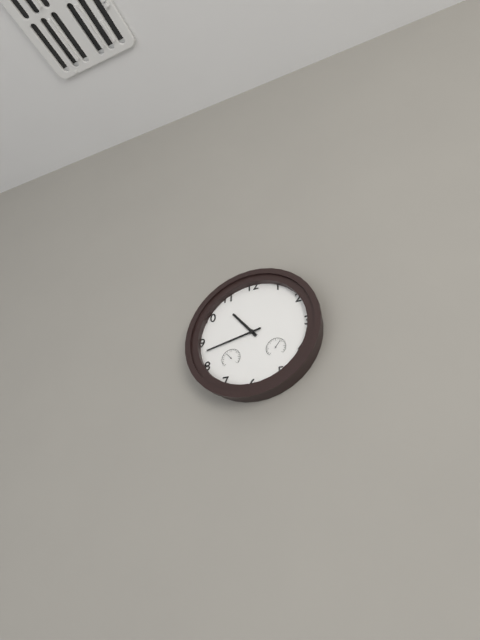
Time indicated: {"hour": 10, "minute": 43}
